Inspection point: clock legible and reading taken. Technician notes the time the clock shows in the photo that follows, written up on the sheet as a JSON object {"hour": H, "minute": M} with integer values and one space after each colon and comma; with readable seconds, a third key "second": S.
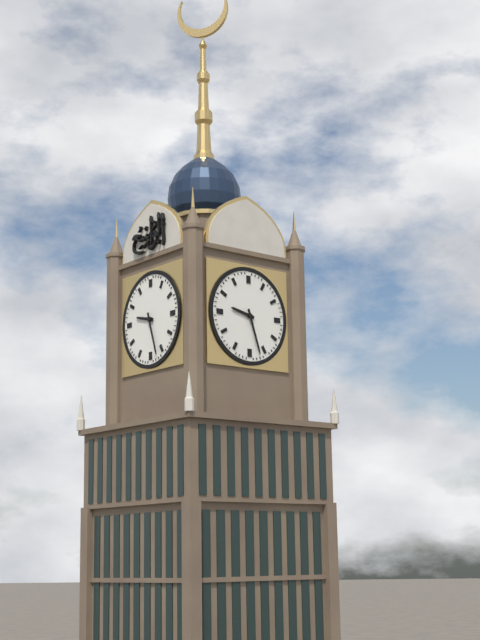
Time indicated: {"hour": 9, "minute": 27}
